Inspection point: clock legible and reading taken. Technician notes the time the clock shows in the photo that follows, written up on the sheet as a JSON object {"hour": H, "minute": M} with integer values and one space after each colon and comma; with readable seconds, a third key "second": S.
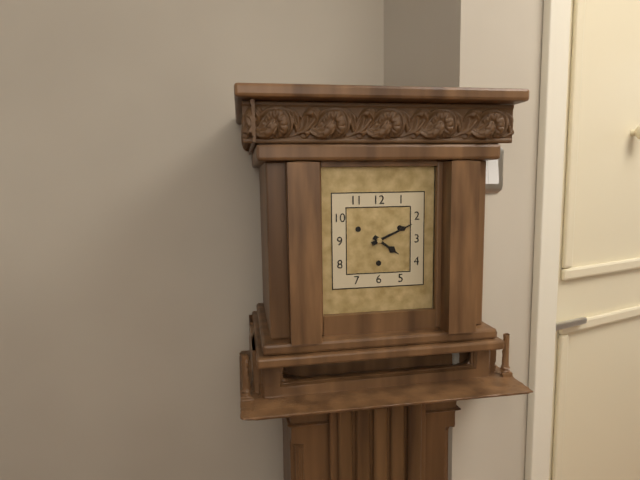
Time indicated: {"hour": 4, "minute": 11}
